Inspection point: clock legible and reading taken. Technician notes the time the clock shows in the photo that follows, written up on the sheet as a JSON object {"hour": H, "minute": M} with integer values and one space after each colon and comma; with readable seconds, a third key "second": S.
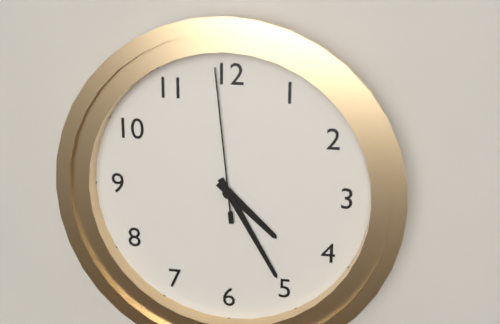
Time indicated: {"hour": 4, "minute": 25, "second": 59}
